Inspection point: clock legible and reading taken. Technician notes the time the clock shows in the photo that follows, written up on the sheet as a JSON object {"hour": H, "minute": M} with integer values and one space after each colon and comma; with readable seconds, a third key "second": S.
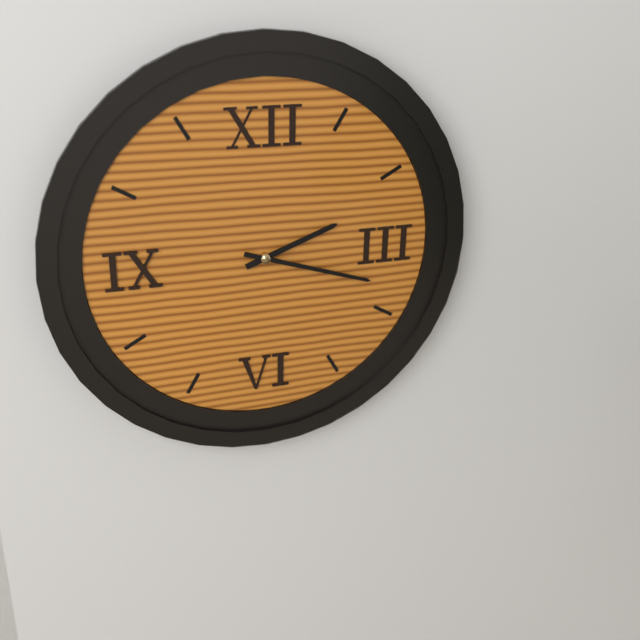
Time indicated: {"hour": 2, "minute": 18}
